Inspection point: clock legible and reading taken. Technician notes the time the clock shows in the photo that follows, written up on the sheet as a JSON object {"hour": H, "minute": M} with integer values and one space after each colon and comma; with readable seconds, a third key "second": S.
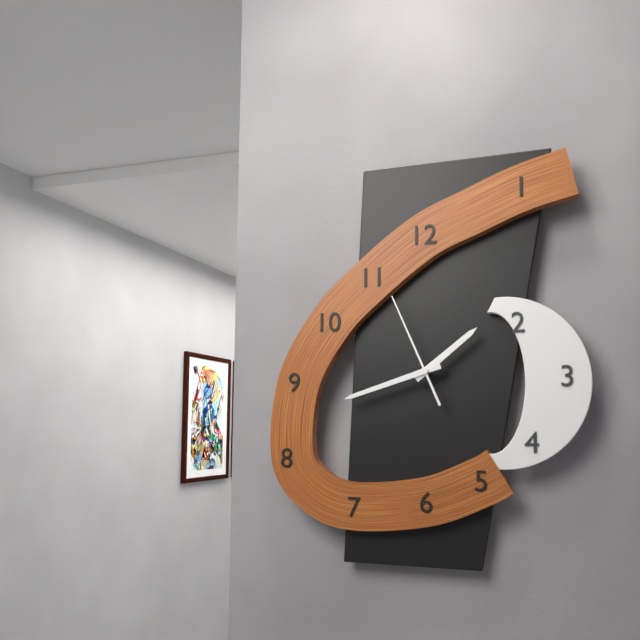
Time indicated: {"hour": 1, "minute": 42, "second": 56}
